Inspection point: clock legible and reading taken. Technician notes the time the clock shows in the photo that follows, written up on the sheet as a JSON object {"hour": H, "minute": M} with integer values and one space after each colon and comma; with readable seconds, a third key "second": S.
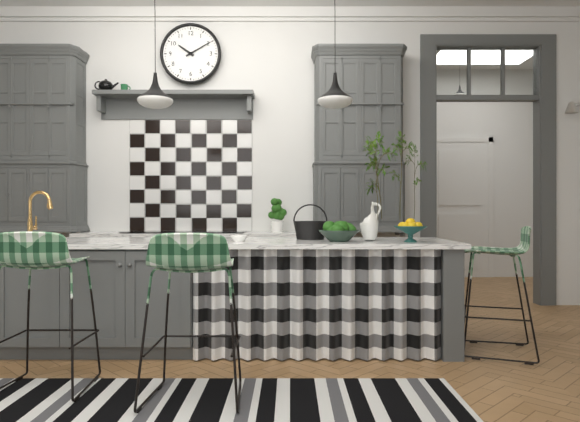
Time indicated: {"hour": 10, "minute": 10}
